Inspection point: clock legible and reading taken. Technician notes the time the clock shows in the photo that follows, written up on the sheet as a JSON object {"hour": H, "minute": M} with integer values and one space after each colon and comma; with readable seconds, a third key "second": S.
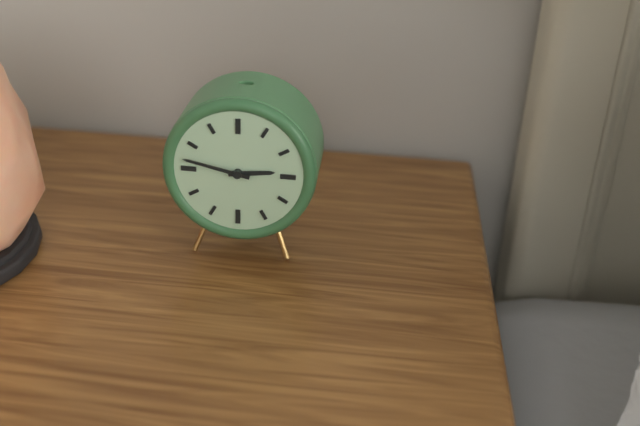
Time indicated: {"hour": 2, "minute": 47}
